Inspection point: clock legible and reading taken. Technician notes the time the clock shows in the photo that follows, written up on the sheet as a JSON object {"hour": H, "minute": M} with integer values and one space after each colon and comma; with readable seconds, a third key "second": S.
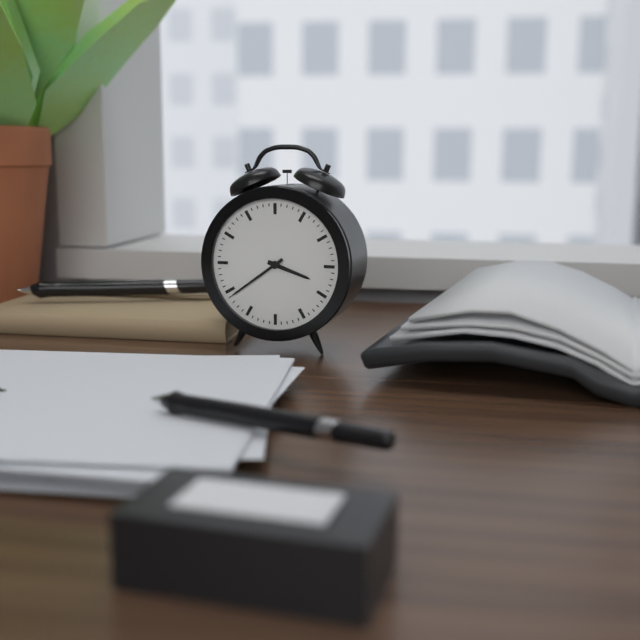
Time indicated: {"hour": 3, "minute": 39}
